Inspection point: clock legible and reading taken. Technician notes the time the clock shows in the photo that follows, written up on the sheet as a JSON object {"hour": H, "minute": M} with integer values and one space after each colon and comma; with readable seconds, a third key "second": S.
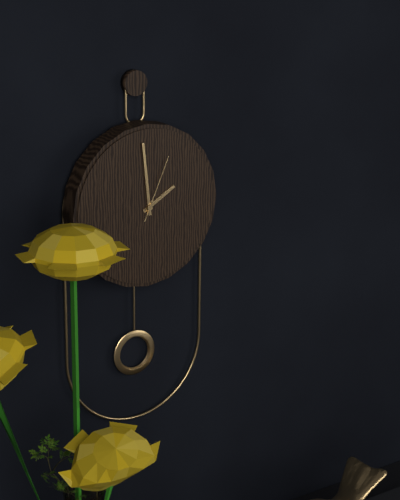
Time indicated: {"hour": 1, "minute": 59, "second": 4}
